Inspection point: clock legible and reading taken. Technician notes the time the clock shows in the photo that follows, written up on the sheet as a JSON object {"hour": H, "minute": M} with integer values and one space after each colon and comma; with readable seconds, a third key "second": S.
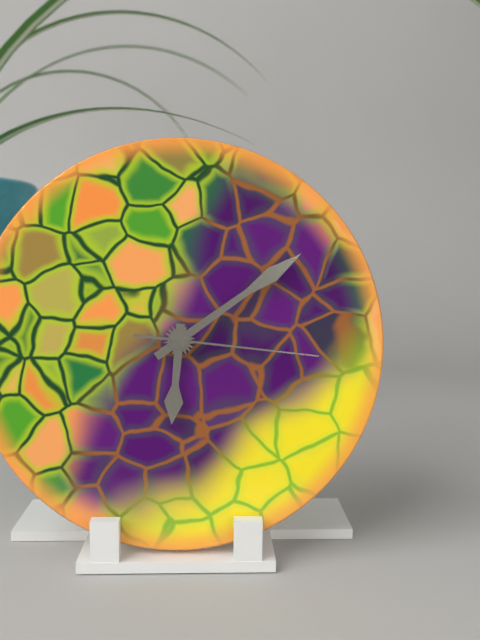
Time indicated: {"hour": 6, "minute": 9, "second": 16}
